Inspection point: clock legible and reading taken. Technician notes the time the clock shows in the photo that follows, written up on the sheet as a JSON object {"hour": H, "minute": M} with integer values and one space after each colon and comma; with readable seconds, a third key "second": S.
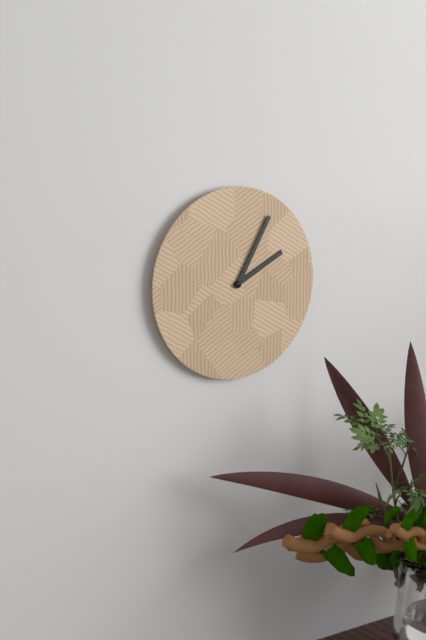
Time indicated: {"hour": 2, "minute": 5}
